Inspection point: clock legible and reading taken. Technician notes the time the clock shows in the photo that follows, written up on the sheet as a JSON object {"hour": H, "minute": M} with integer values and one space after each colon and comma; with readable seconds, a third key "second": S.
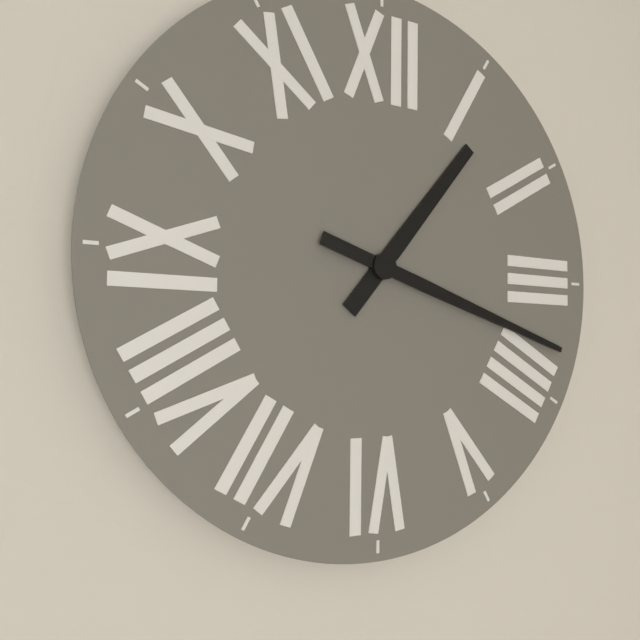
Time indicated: {"hour": 1, "minute": 18}
